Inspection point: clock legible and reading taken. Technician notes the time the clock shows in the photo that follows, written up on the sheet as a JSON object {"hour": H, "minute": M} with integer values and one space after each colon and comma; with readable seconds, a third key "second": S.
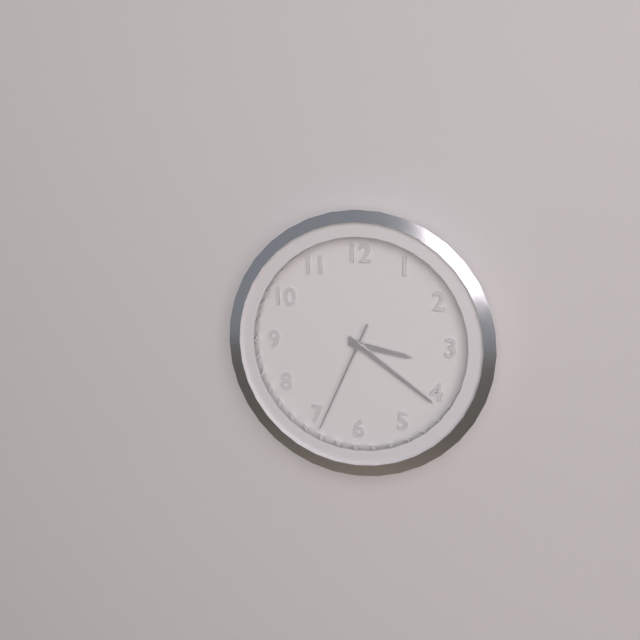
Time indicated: {"hour": 3, "minute": 21, "second": 34}
